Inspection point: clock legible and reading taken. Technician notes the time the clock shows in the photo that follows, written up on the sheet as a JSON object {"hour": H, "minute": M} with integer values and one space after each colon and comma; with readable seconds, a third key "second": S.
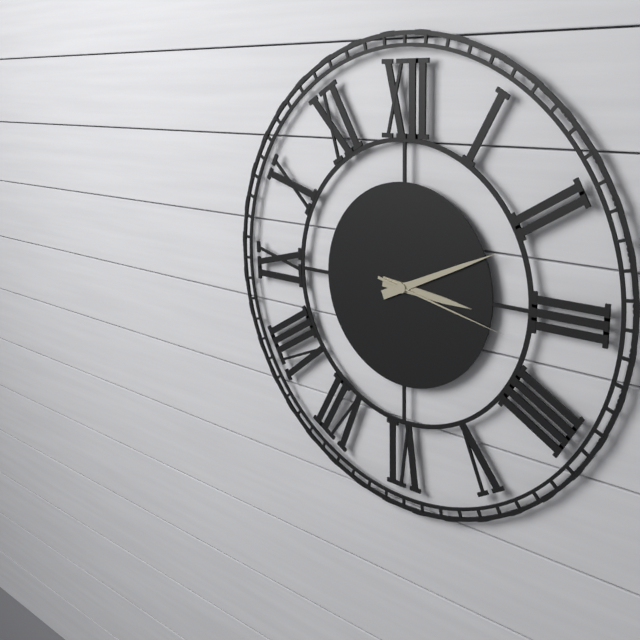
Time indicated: {"hour": 3, "minute": 11, "second": 17}
